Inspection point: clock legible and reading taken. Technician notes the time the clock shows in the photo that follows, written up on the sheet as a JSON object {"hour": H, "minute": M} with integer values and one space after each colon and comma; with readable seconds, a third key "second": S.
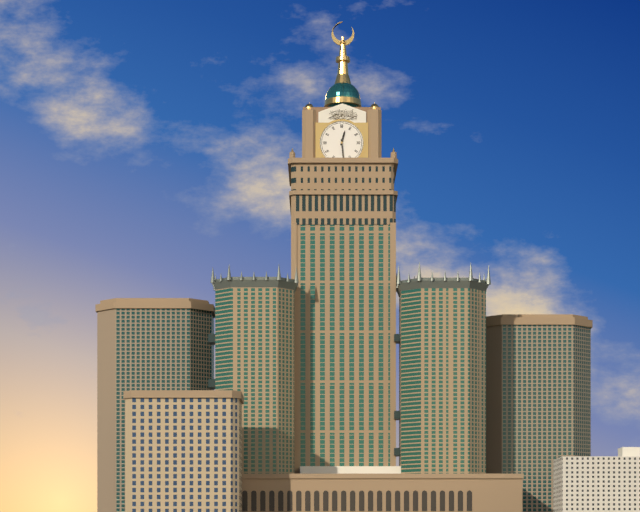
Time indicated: {"hour": 12, "minute": 29}
